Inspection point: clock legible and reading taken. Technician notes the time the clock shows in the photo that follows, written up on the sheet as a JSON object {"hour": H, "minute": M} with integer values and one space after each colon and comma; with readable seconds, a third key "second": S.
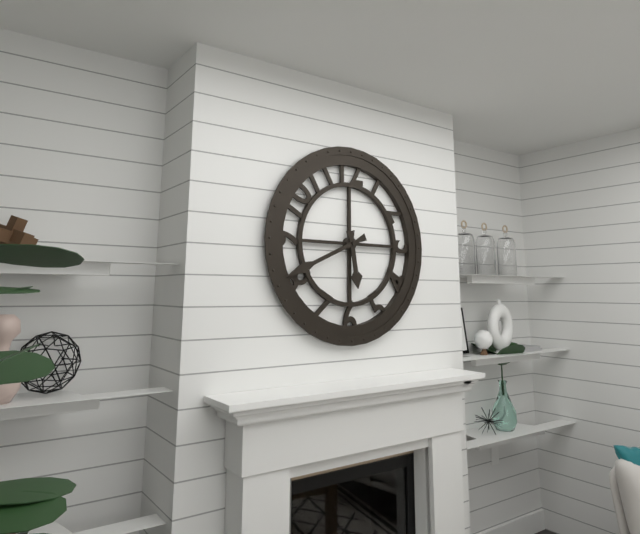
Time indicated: {"hour": 5, "minute": 41}
